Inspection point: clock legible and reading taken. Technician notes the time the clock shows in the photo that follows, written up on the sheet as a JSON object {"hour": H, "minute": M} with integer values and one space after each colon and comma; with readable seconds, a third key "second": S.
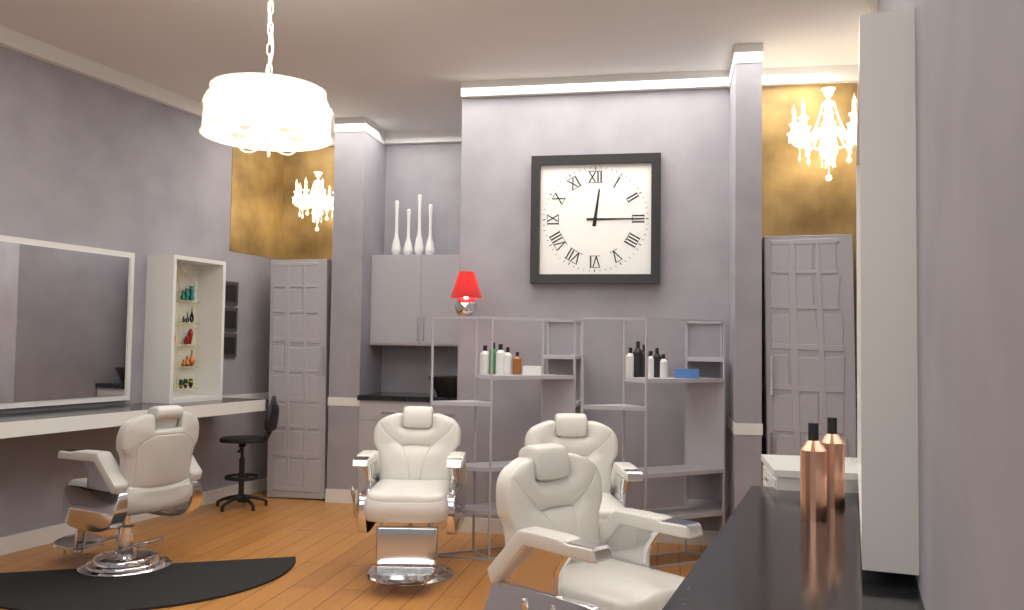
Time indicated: {"hour": 12, "minute": 15}
